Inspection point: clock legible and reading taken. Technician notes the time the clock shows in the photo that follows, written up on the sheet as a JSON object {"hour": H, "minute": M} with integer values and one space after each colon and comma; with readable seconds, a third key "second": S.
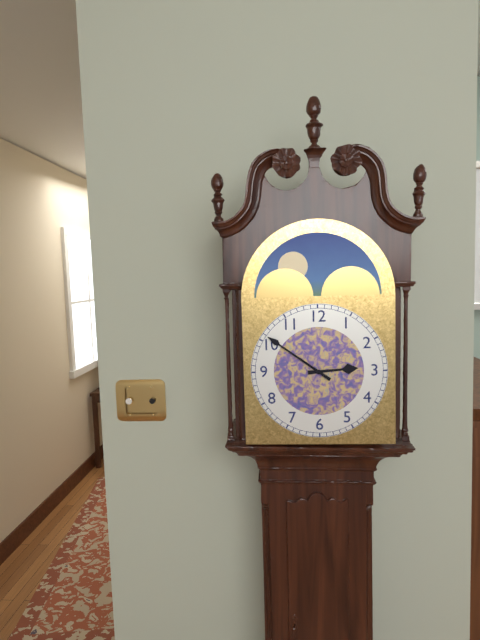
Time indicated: {"hour": 2, "minute": 51}
